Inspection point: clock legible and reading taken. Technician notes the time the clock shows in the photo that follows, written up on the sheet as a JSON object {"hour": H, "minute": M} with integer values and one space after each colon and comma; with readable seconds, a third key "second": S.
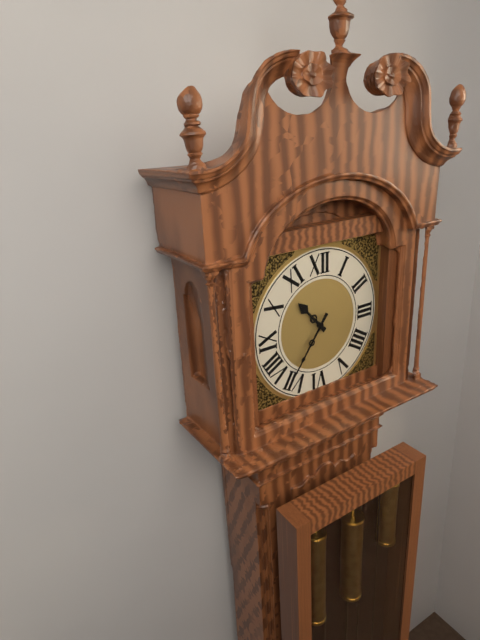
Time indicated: {"hour": 10, "minute": 36}
